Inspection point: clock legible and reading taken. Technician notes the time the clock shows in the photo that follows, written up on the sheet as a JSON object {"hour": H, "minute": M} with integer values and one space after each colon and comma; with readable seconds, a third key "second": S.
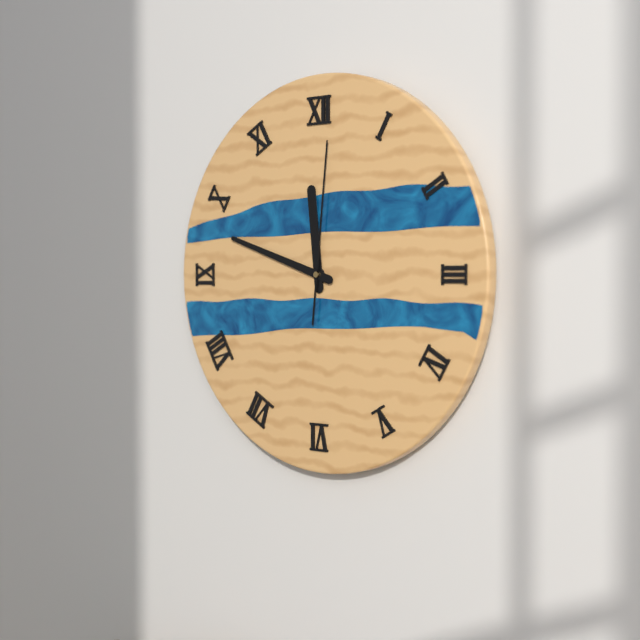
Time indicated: {"hour": 11, "minute": 48, "second": 1}
